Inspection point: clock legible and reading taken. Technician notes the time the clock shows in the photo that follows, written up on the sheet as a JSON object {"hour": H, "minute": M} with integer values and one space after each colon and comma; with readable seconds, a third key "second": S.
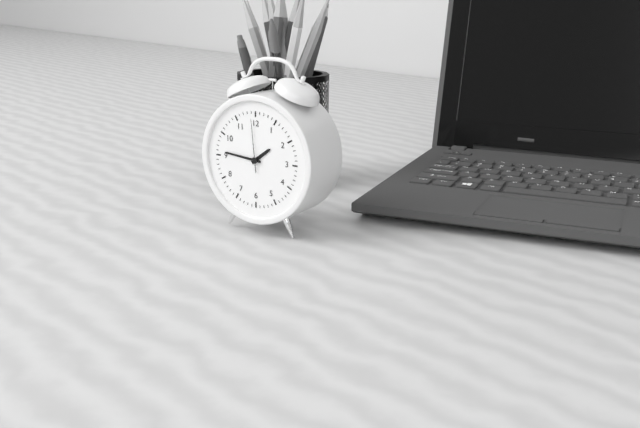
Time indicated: {"hour": 1, "minute": 46, "second": 59}
